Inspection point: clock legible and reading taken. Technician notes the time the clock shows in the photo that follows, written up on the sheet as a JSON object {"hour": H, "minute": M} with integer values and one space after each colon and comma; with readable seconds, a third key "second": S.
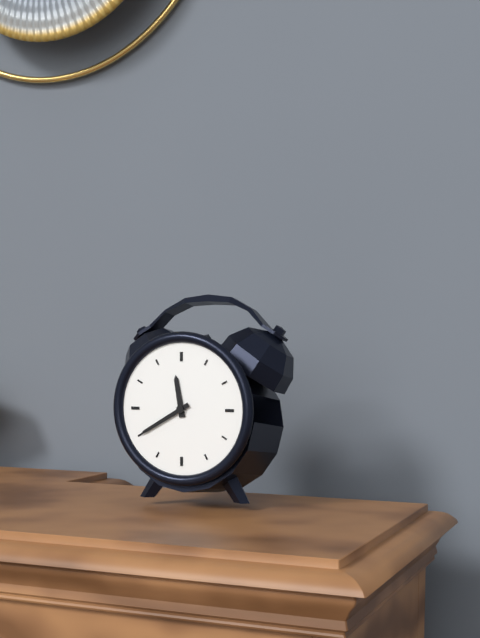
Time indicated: {"hour": 11, "minute": 40}
